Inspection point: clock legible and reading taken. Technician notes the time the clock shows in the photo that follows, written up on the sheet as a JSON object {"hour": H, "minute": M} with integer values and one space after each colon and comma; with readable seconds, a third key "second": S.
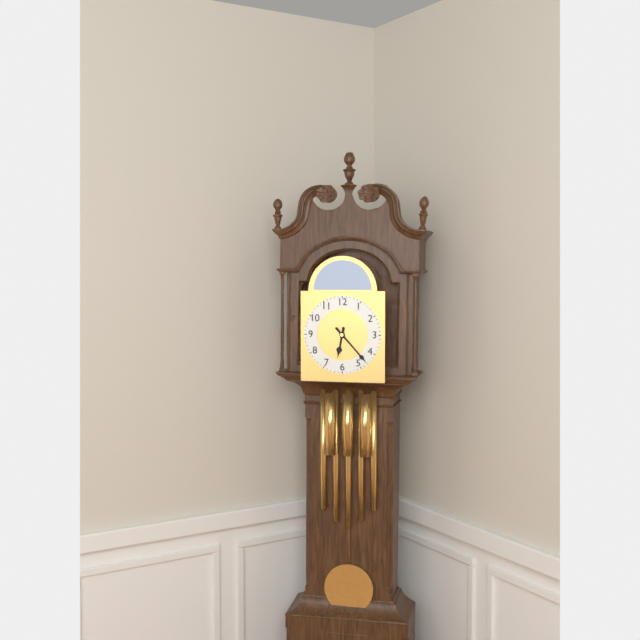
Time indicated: {"hour": 6, "minute": 23}
